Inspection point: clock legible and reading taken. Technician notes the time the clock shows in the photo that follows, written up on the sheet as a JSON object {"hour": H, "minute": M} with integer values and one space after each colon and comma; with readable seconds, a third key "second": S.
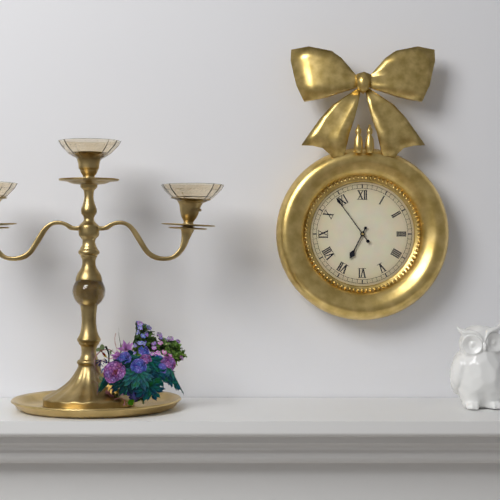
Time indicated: {"hour": 6, "minute": 54}
